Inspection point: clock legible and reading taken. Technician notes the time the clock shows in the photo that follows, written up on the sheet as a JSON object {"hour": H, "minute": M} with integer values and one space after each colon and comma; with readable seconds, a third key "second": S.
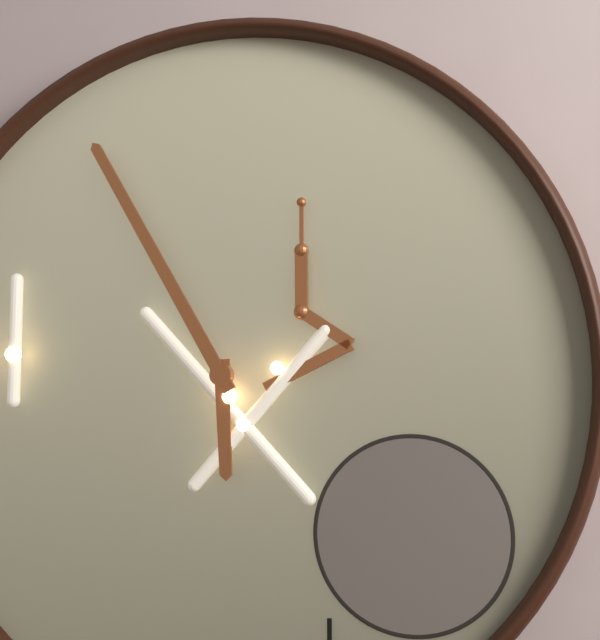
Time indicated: {"hour": 5, "minute": 55}
